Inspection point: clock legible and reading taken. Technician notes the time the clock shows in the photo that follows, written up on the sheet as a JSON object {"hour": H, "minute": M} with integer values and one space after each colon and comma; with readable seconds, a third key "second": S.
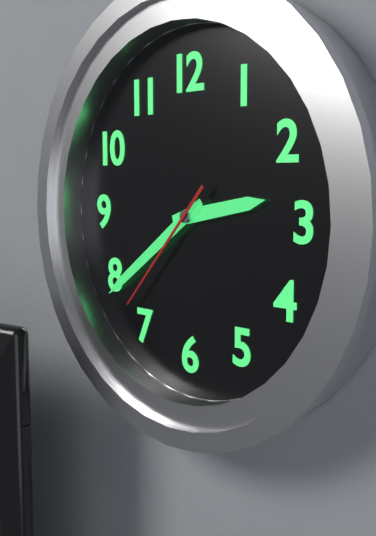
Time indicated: {"hour": 2, "minute": 39, "second": 37}
